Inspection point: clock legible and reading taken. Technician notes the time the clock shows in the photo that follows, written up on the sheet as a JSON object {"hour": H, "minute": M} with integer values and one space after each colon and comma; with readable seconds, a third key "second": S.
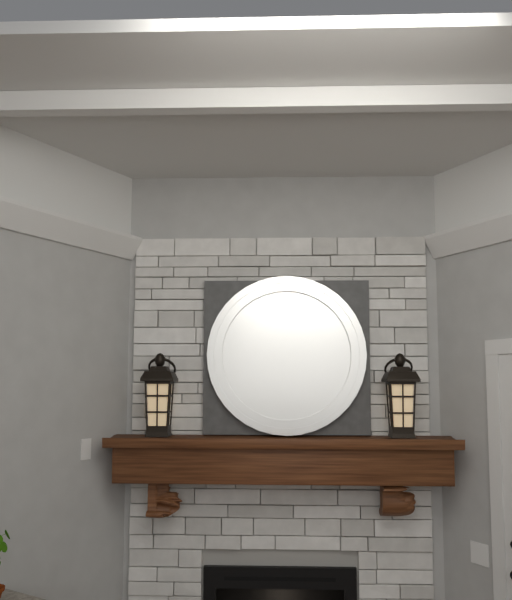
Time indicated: {"hour": 7, "minute": 32}
